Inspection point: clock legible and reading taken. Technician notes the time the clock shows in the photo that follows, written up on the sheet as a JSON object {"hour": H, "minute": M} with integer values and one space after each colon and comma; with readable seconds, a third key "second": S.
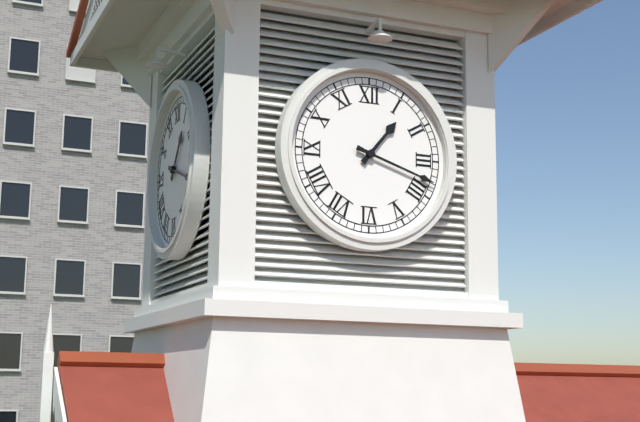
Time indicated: {"hour": 1, "minute": 18}
